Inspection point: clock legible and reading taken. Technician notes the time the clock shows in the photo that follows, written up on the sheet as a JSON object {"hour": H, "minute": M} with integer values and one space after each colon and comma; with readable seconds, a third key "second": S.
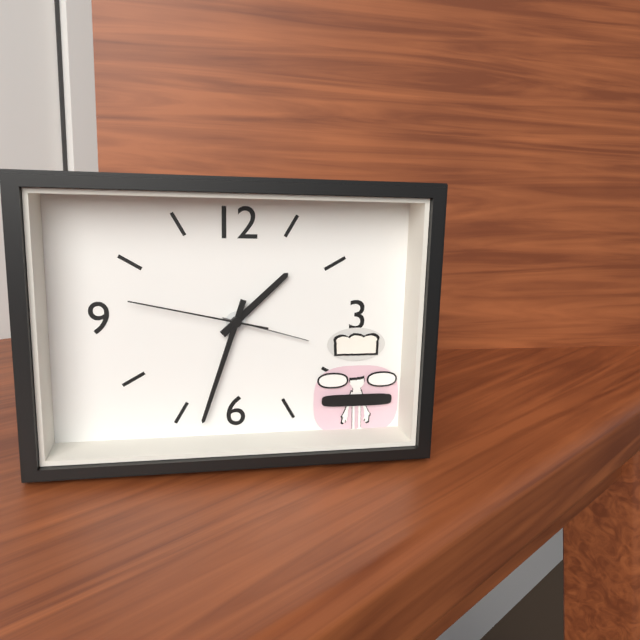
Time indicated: {"hour": 1, "minute": 33, "second": 47}
